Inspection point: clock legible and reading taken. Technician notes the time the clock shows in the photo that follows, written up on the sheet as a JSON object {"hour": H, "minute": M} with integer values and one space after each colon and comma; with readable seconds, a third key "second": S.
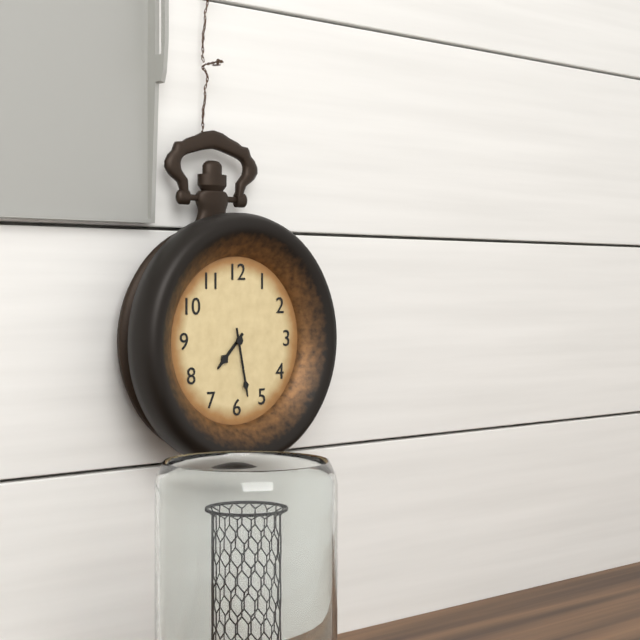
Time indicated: {"hour": 7, "minute": 28}
